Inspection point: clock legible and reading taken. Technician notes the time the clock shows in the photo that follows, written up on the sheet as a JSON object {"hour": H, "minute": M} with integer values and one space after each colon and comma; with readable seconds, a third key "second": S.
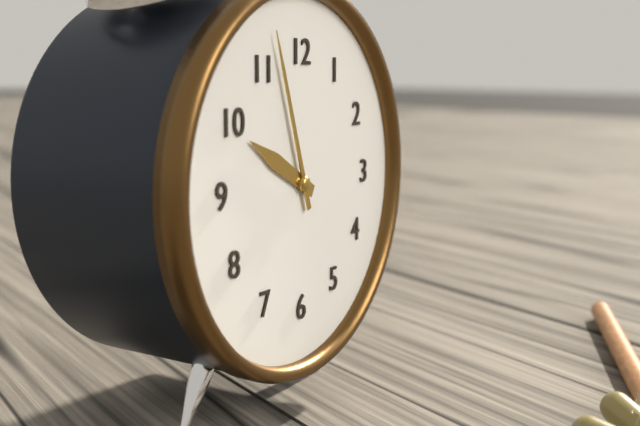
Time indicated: {"hour": 9, "minute": 57}
